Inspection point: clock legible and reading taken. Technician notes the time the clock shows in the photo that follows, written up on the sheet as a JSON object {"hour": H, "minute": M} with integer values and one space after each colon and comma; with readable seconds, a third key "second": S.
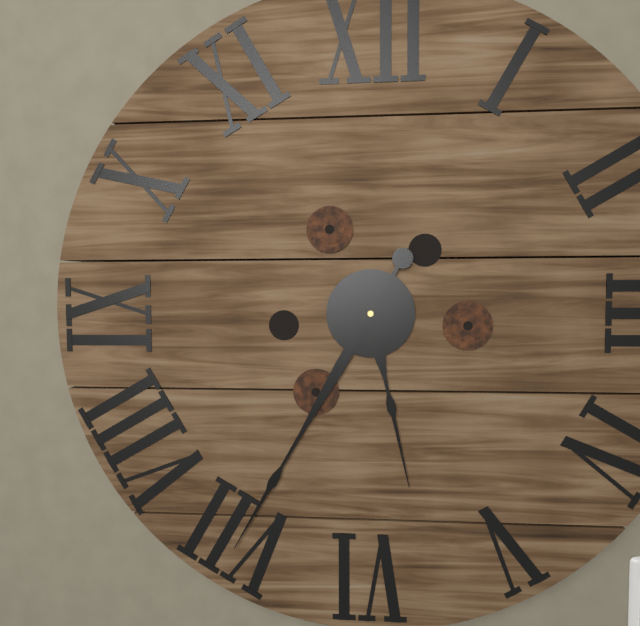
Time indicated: {"hour": 5, "minute": 35}
